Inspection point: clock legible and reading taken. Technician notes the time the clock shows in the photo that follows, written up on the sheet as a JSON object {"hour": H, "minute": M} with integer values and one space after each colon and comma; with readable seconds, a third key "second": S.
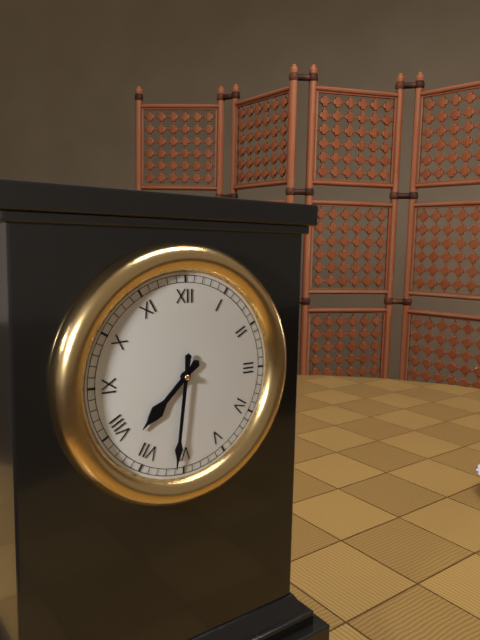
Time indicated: {"hour": 7, "minute": 31}
